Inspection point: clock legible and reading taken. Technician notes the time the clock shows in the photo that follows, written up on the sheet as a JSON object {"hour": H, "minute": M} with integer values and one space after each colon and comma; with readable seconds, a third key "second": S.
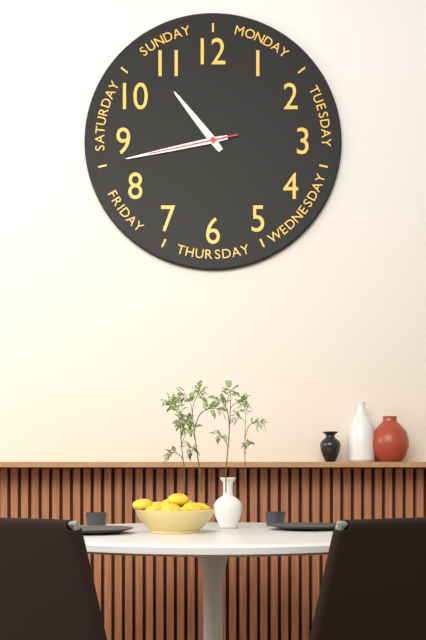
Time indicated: {"hour": 10, "minute": 43, "second": 43}
